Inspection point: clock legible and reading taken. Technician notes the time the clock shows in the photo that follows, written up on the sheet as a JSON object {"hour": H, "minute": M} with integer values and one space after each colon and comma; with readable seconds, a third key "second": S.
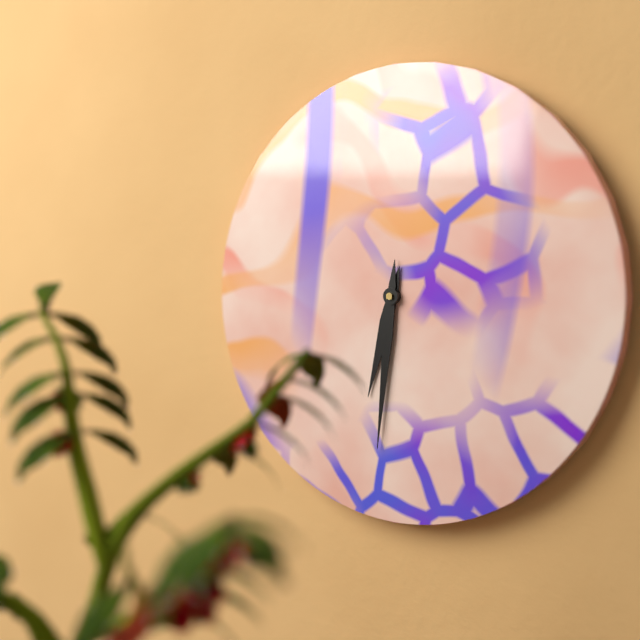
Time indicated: {"hour": 6, "minute": 31}
